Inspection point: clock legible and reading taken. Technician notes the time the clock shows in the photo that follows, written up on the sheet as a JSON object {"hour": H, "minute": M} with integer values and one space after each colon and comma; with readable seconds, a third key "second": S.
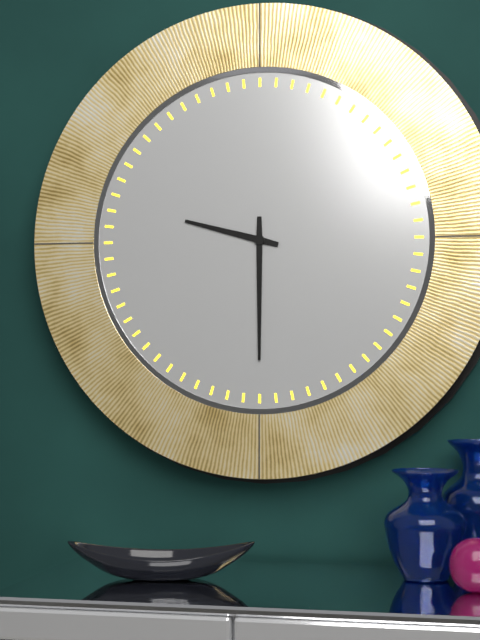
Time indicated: {"hour": 9, "minute": 30}
